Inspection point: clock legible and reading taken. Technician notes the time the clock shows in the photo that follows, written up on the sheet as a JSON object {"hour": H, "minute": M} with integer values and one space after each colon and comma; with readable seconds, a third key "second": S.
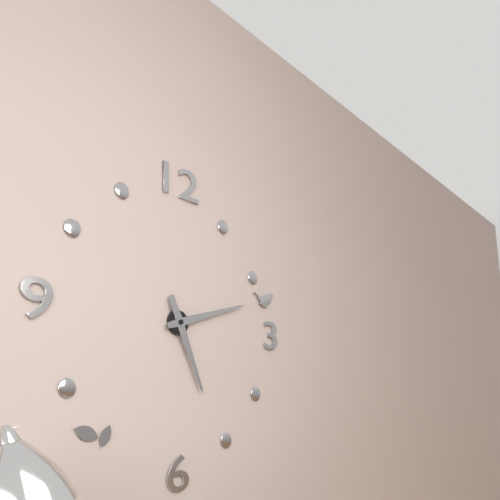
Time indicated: {"hour": 5, "minute": 12}
